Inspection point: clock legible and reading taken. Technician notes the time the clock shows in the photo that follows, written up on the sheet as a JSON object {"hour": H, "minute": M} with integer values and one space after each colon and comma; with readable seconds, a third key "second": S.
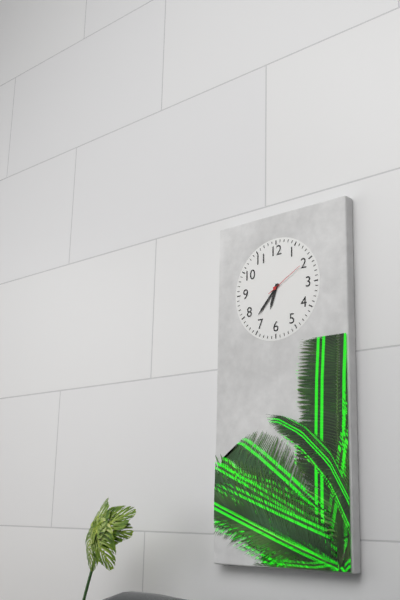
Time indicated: {"hour": 6, "minute": 37}
